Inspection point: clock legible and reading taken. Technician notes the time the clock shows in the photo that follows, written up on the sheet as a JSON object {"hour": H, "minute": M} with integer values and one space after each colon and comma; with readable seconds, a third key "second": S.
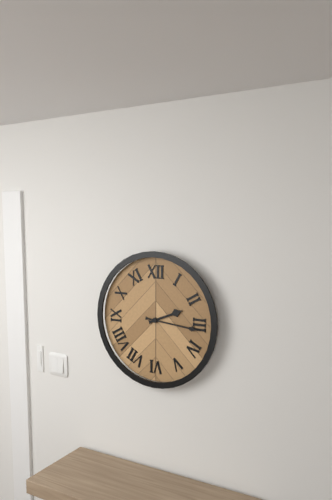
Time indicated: {"hour": 2, "minute": 16}
